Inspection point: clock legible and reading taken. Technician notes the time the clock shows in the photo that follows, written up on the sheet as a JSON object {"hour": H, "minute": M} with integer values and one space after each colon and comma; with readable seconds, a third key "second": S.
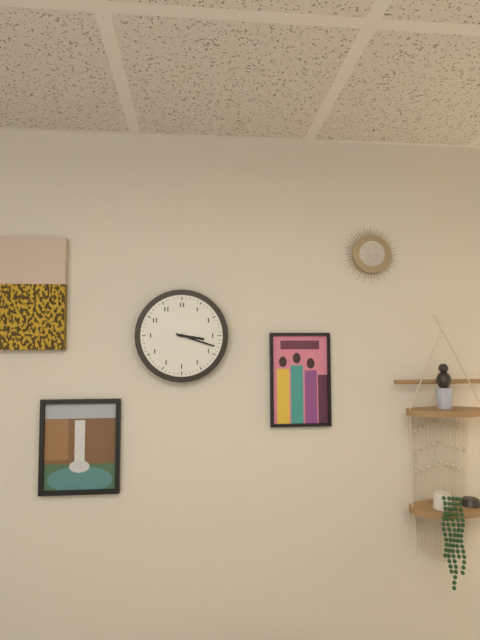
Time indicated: {"hour": 3, "minute": 18}
